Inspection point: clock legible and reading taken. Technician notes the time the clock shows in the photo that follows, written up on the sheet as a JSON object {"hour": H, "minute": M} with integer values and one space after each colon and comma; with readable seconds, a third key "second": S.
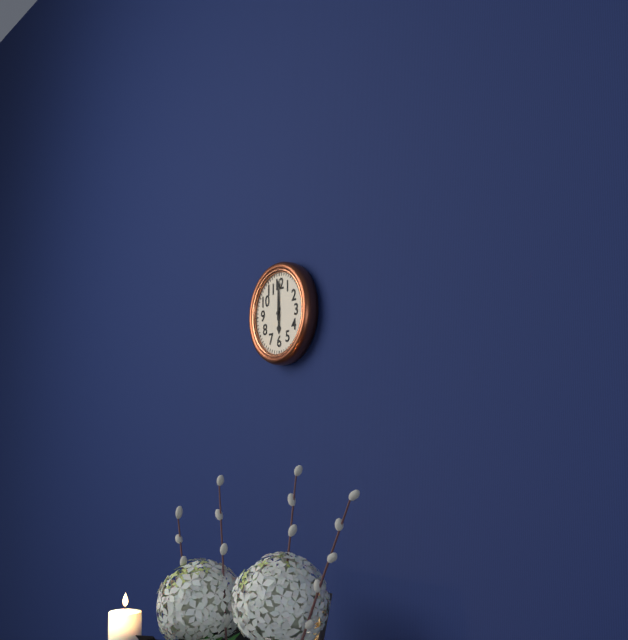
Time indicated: {"hour": 6, "minute": 0}
